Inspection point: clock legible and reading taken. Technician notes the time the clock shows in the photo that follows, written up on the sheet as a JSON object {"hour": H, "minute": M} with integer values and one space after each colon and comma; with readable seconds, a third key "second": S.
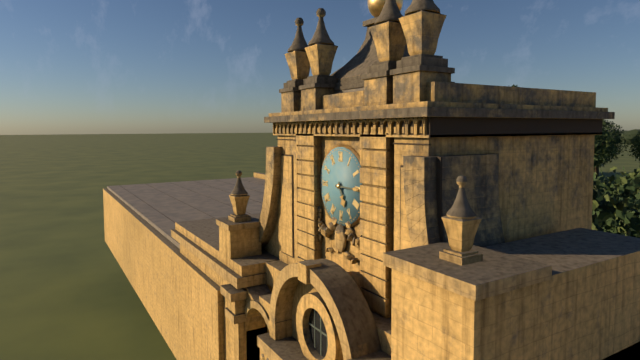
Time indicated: {"hour": 5, "minute": 15}
